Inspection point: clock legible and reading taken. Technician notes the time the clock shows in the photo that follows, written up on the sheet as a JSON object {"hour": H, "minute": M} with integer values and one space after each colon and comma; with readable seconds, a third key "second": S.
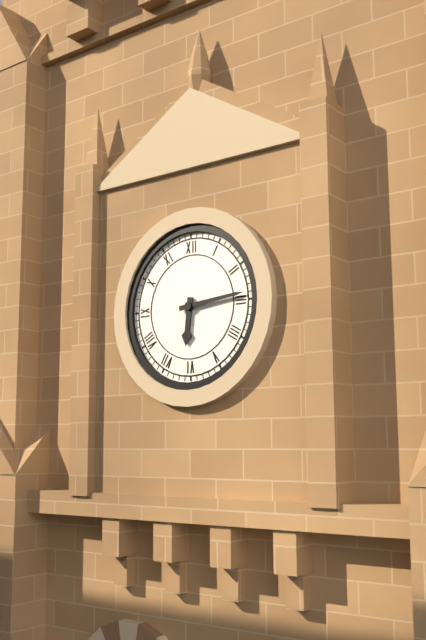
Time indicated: {"hour": 6, "minute": 14}
